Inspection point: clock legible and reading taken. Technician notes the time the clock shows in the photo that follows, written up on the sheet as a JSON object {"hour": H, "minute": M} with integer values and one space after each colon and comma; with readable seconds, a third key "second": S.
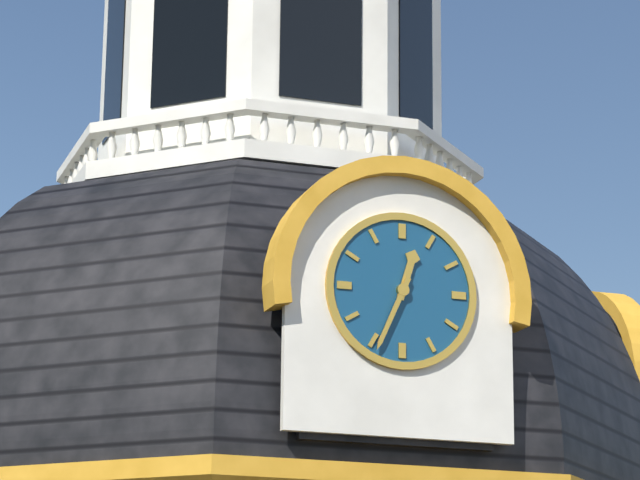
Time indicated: {"hour": 12, "minute": 34}
